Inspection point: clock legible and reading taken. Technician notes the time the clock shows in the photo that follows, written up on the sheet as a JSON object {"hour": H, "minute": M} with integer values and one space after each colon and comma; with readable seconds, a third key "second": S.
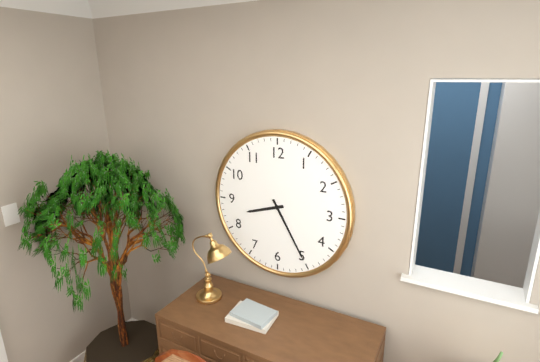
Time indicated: {"hour": 8, "minute": 25}
